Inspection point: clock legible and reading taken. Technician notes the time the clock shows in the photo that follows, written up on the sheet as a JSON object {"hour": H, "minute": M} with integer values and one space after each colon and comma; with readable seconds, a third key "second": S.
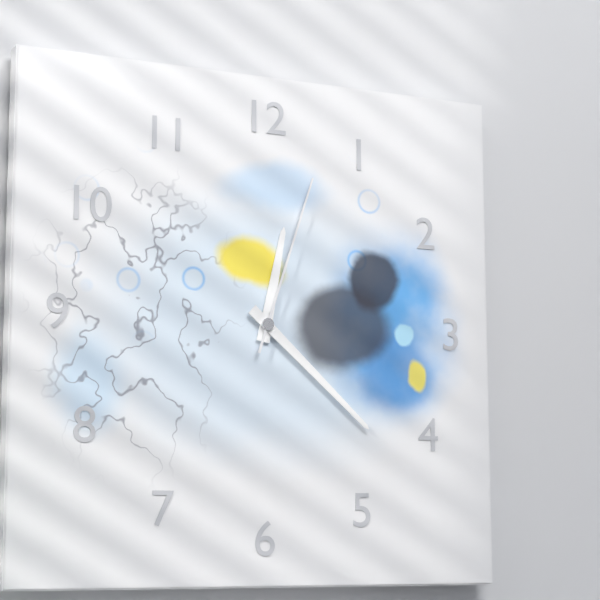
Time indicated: {"hour": 12, "minute": 22, "second": 3}
